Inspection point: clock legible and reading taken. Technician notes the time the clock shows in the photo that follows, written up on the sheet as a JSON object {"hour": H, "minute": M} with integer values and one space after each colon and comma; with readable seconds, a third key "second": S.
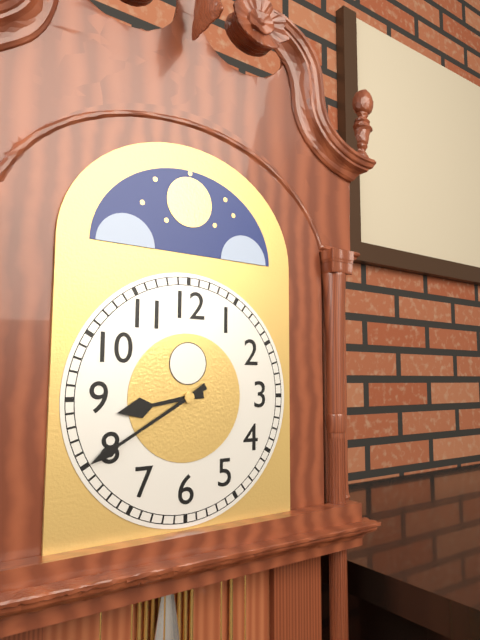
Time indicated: {"hour": 8, "minute": 40}
